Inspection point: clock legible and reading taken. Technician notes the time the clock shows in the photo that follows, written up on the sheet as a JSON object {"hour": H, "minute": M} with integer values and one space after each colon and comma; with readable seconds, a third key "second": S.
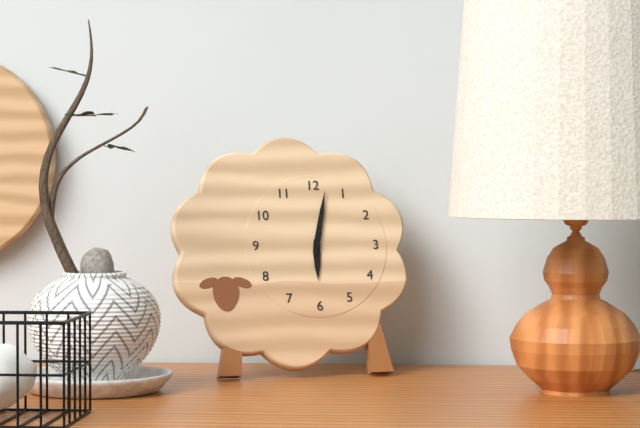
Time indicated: {"hour": 6, "minute": 2}
